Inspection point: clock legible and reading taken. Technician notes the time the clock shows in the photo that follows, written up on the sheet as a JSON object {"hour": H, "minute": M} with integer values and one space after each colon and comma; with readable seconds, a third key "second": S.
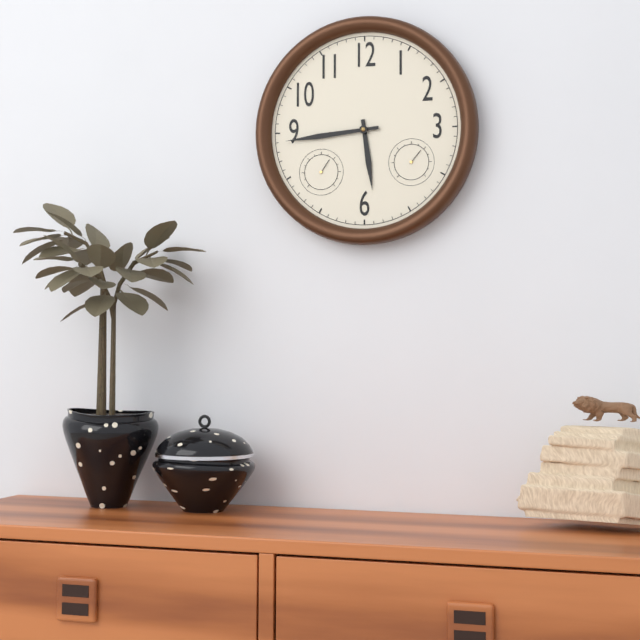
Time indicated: {"hour": 5, "minute": 44}
